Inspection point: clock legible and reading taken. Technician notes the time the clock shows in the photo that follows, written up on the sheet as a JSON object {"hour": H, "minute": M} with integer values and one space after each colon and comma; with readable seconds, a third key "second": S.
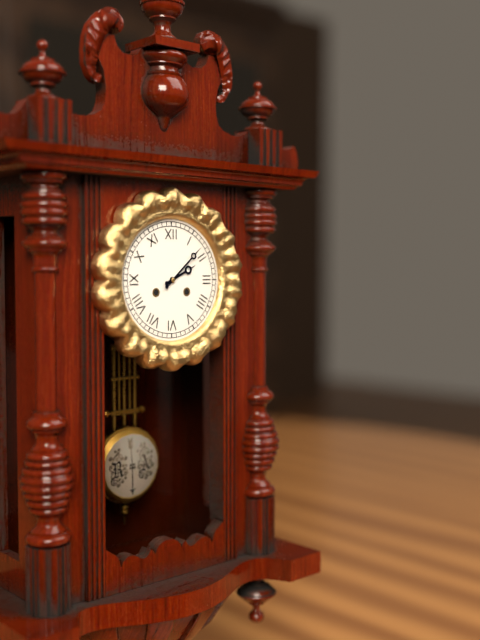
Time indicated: {"hour": 2, "minute": 8}
